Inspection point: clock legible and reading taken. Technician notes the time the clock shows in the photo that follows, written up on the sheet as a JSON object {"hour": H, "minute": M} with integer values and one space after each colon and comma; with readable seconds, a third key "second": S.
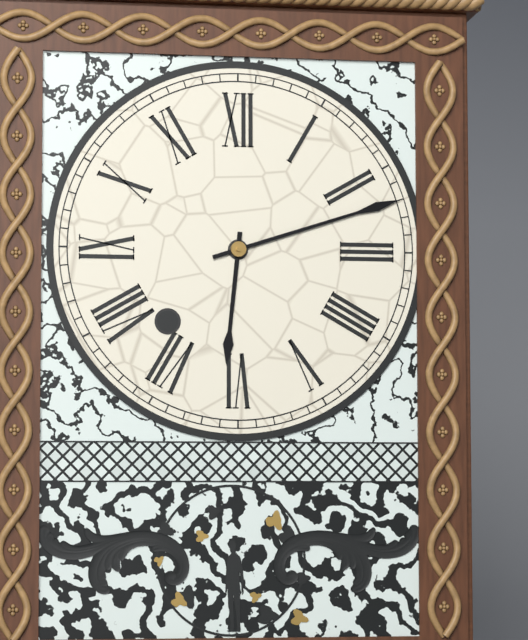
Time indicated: {"hour": 6, "minute": 12}
